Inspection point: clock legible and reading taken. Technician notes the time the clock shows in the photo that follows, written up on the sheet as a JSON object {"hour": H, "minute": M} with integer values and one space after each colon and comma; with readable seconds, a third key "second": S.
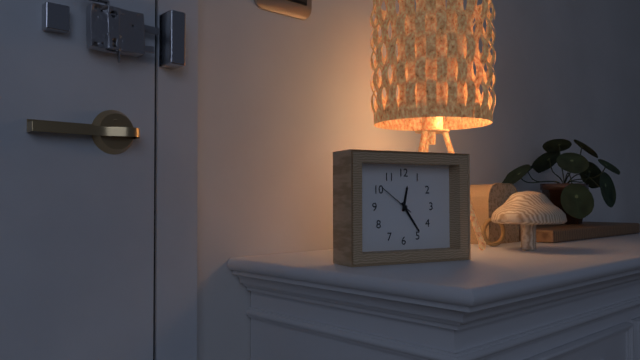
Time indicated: {"hour": 12, "minute": 24}
